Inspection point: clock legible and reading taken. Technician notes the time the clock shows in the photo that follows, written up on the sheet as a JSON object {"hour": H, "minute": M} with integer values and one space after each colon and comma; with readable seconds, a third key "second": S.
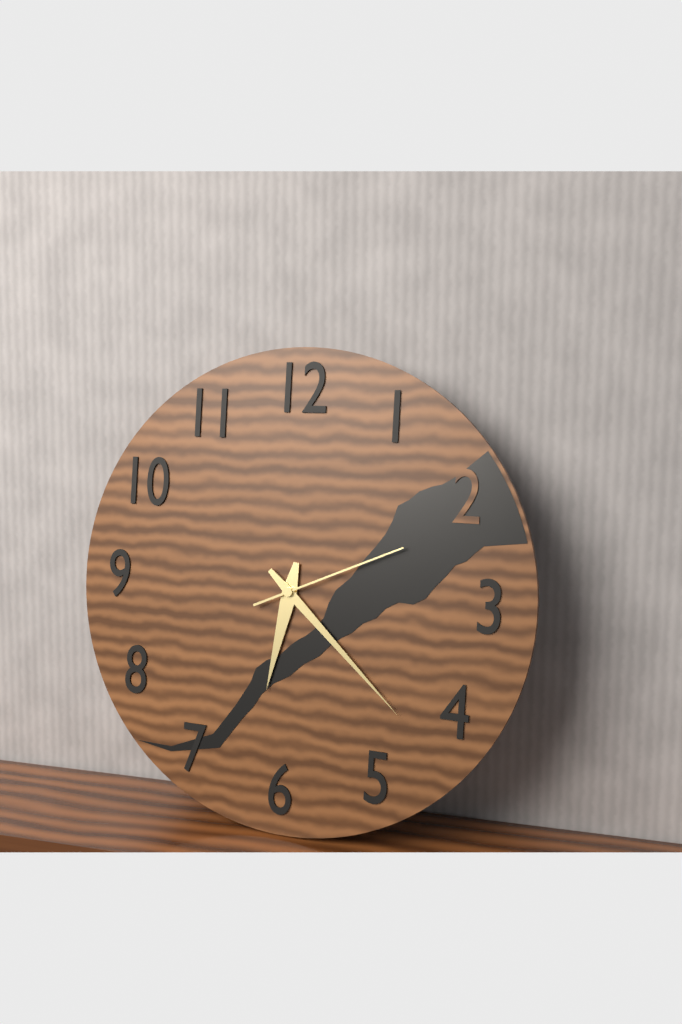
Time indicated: {"hour": 6, "minute": 22, "second": 11}
